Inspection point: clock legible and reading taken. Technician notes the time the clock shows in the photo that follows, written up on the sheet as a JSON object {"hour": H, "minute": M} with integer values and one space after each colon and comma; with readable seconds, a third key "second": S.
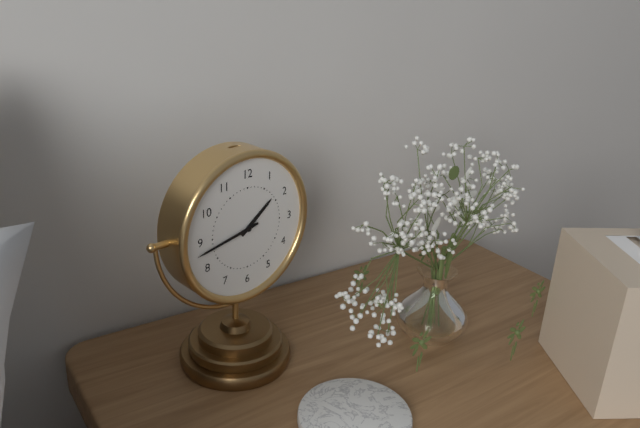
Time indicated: {"hour": 1, "minute": 43}
